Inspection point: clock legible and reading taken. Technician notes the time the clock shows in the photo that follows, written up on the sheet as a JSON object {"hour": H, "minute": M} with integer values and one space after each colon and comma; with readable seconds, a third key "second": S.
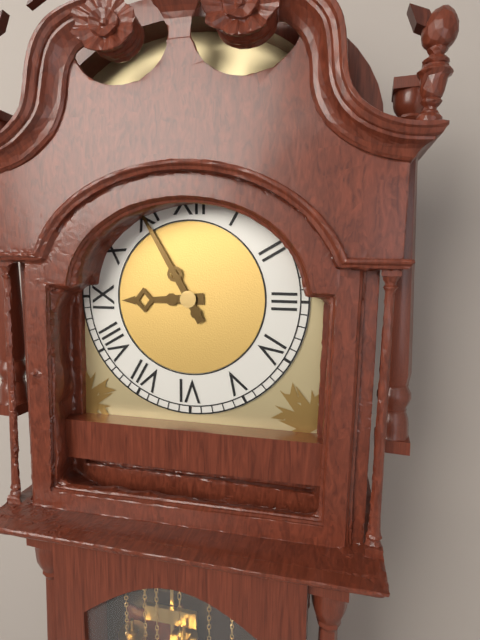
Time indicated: {"hour": 8, "minute": 55}
